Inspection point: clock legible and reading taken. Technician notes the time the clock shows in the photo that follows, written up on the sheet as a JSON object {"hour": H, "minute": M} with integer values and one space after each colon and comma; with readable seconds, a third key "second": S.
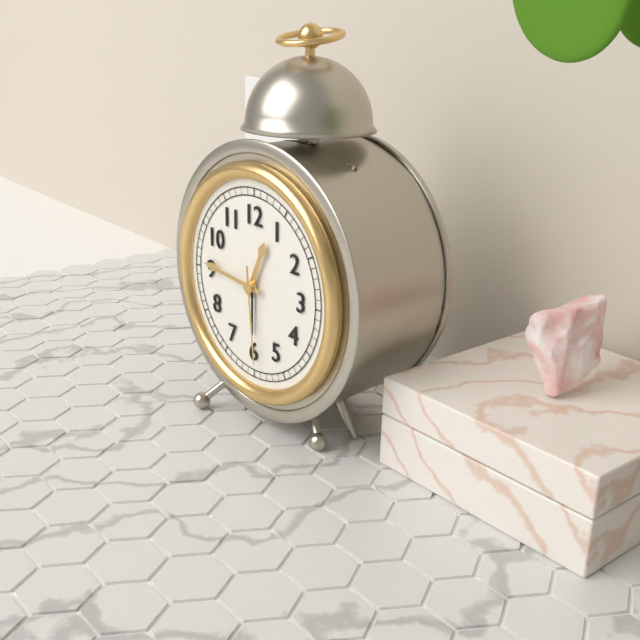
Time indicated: {"hour": 12, "minute": 46, "second": 29}
